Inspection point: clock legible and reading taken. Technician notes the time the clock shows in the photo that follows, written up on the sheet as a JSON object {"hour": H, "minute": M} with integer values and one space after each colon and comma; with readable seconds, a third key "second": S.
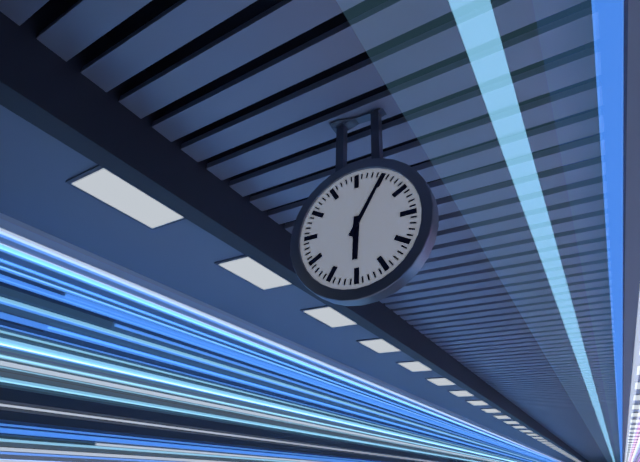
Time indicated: {"hour": 6, "minute": 5}
